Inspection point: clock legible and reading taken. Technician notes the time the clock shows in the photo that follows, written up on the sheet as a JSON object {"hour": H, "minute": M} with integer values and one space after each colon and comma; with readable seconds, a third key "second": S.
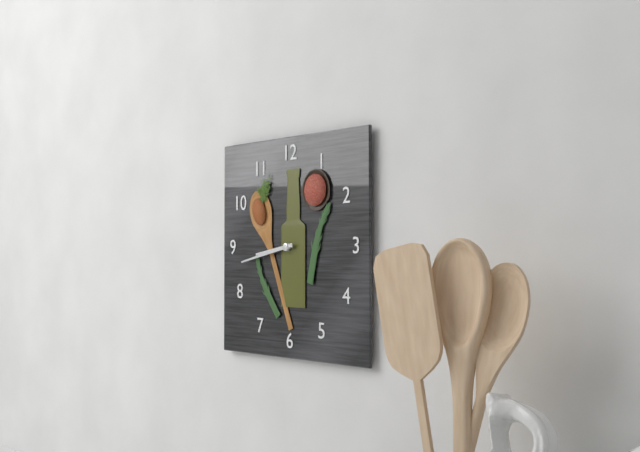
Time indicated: {"hour": 8, "minute": 43}
